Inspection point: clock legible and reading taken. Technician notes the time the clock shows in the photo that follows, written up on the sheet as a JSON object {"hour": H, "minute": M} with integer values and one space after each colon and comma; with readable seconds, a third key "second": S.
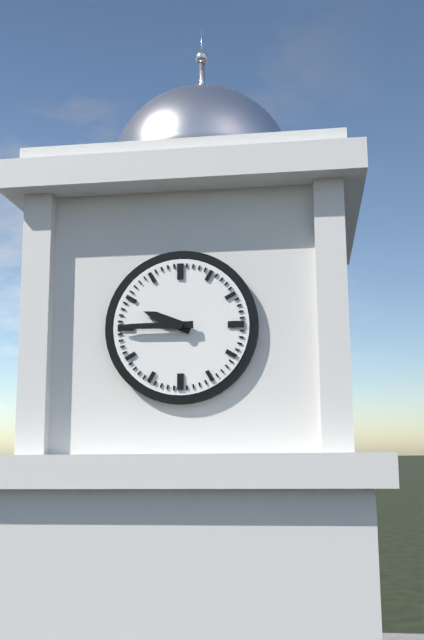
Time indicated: {"hour": 9, "minute": 45}
